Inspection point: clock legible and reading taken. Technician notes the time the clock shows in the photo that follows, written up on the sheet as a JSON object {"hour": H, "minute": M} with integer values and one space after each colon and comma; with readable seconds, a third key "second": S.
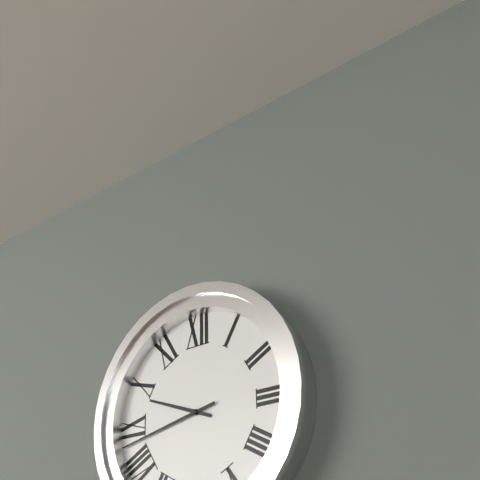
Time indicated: {"hour": 9, "minute": 43}
